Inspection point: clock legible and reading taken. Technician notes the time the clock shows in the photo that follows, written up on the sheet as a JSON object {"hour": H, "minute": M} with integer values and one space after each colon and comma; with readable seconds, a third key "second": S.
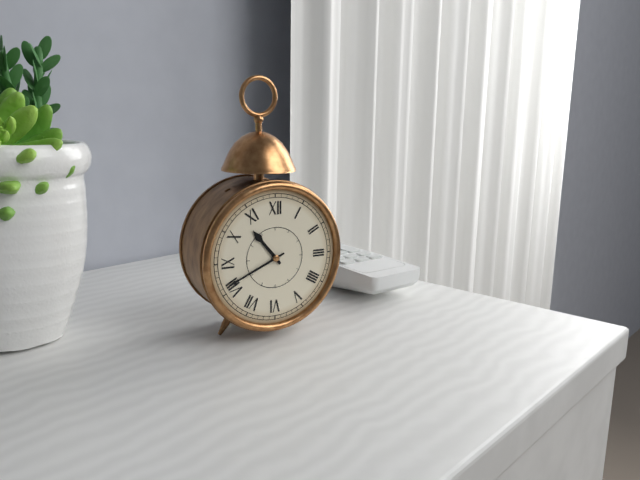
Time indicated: {"hour": 10, "minute": 41}
